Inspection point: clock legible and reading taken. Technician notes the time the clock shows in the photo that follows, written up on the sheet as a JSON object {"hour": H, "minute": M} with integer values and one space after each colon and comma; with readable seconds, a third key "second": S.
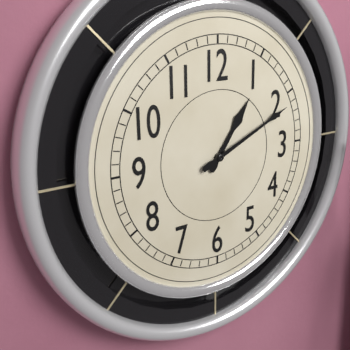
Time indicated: {"hour": 1, "minute": 11}
